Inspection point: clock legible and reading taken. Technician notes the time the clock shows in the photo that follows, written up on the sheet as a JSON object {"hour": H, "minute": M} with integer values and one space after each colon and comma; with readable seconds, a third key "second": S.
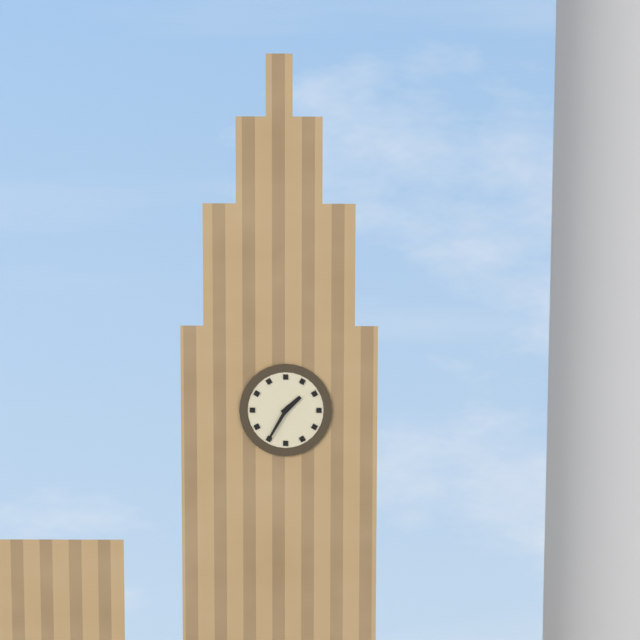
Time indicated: {"hour": 1, "minute": 35}
